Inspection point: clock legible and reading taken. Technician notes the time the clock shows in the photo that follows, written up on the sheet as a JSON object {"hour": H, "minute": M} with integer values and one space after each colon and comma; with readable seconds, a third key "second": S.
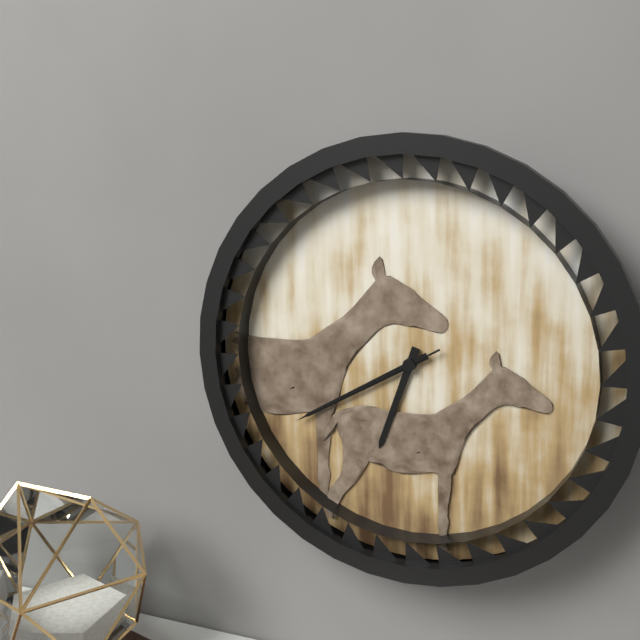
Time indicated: {"hour": 6, "minute": 40, "second": 40}
